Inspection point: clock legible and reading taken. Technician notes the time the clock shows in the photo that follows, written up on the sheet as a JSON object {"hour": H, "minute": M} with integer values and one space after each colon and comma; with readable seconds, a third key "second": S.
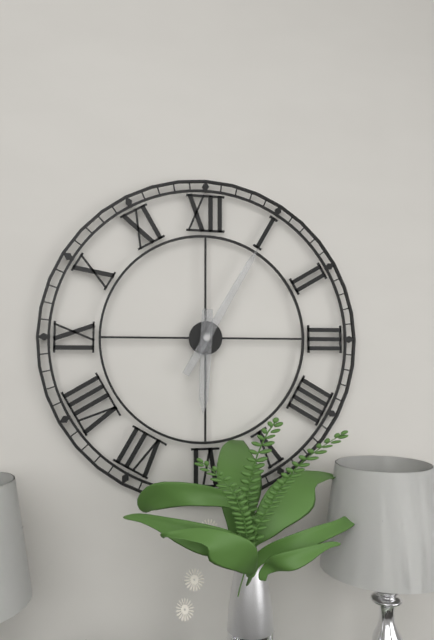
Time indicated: {"hour": 6, "minute": 5}
